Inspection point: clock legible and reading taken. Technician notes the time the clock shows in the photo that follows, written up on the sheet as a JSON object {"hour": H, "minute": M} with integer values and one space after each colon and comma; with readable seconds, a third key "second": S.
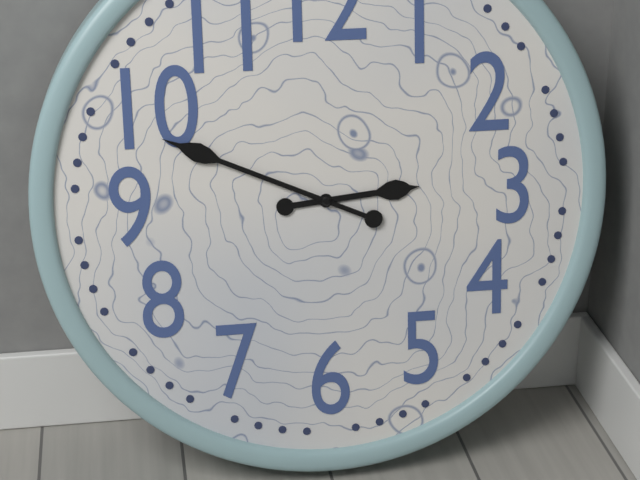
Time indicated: {"hour": 2, "minute": 49}
